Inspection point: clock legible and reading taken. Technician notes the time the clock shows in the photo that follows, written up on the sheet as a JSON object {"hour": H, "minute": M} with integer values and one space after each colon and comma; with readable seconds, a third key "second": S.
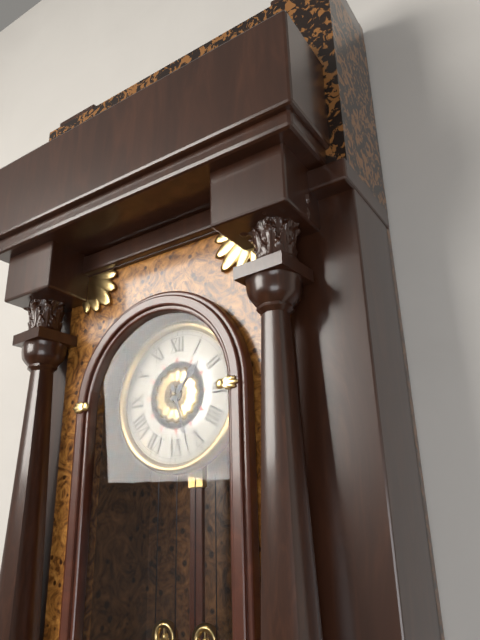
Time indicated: {"hour": 1, "minute": 27}
